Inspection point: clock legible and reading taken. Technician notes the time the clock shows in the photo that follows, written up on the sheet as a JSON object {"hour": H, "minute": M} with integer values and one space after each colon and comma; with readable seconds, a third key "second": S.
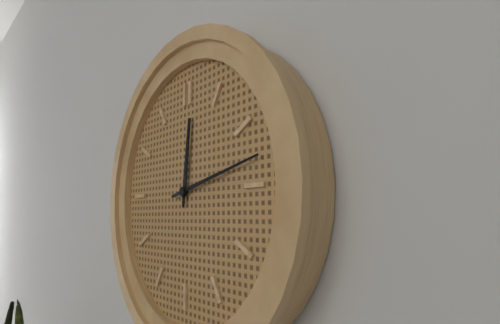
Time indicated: {"hour": 12, "minute": 13}
